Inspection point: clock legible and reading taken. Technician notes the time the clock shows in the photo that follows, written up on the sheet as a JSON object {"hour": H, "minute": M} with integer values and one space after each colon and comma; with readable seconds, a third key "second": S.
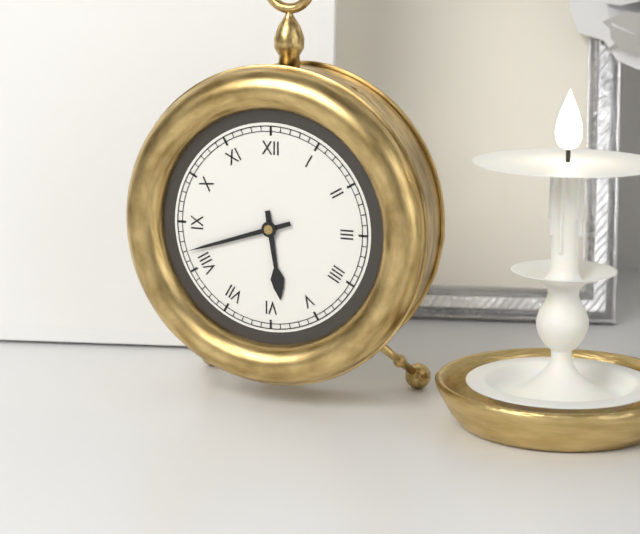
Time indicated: {"hour": 5, "minute": 42}
